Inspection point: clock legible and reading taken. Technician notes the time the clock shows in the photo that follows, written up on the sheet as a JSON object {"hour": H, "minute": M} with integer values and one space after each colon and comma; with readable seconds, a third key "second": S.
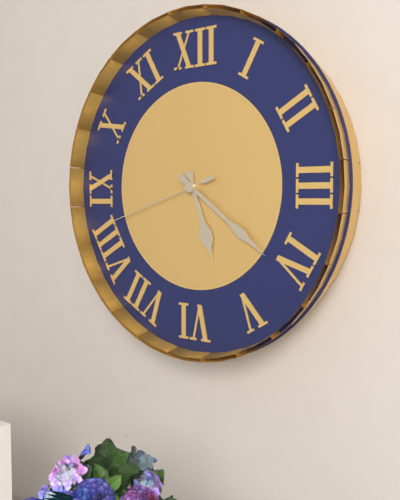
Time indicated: {"hour": 5, "minute": 21, "second": 42}
